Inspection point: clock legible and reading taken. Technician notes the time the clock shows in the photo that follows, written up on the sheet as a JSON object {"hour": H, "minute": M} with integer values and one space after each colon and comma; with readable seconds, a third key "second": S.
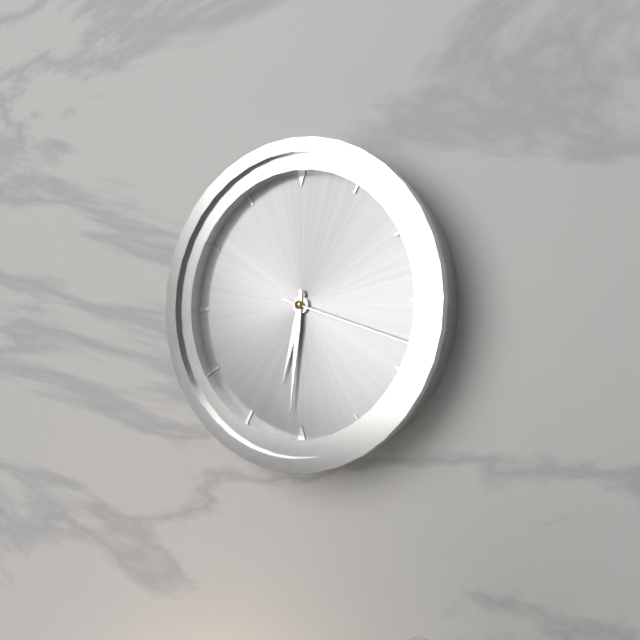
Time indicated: {"hour": 6, "minute": 31, "second": 18}
